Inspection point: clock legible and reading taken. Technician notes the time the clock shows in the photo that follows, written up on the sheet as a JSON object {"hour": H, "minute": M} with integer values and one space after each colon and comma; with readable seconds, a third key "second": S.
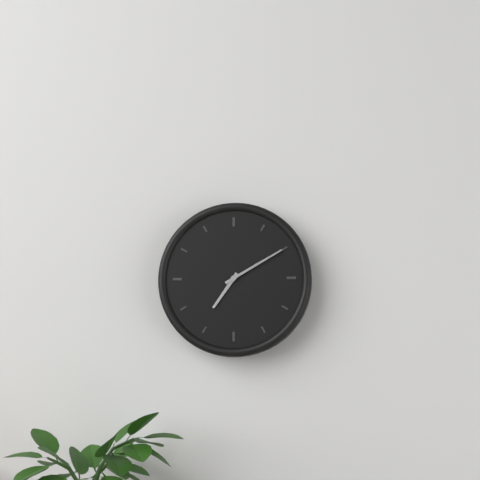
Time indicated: {"hour": 7, "minute": 10}
